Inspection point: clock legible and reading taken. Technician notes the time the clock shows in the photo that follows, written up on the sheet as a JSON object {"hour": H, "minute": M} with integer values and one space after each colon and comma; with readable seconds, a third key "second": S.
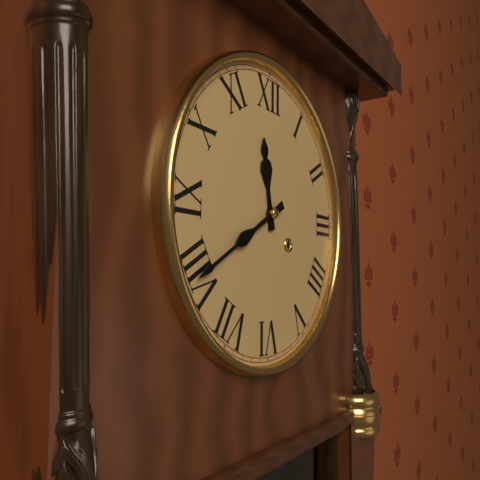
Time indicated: {"hour": 11, "minute": 40}
